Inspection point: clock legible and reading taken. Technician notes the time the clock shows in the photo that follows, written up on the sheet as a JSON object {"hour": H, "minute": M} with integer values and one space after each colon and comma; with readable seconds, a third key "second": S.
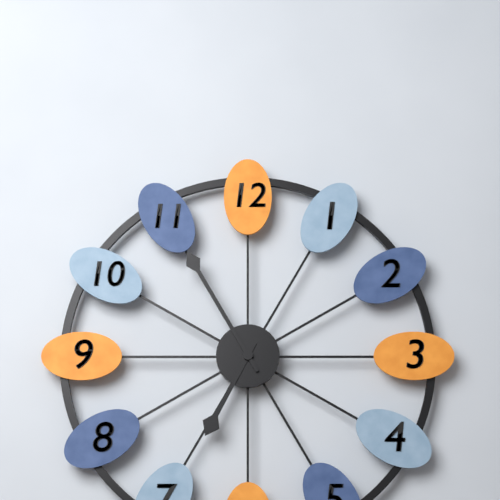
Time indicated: {"hour": 6, "minute": 55}
